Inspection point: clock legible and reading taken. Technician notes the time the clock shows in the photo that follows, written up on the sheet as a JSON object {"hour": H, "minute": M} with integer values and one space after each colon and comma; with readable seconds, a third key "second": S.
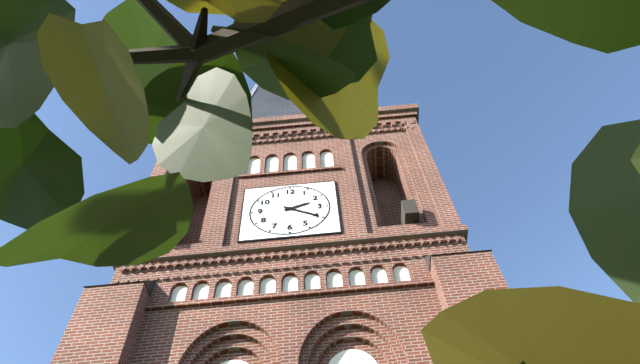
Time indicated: {"hour": 2, "minute": 20}
